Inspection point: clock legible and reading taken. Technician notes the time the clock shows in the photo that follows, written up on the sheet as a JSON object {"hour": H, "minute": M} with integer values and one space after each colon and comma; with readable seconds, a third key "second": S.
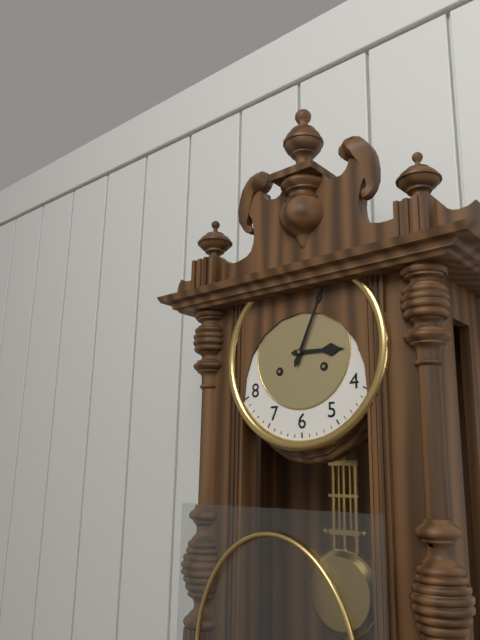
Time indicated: {"hour": 3, "minute": 4}
